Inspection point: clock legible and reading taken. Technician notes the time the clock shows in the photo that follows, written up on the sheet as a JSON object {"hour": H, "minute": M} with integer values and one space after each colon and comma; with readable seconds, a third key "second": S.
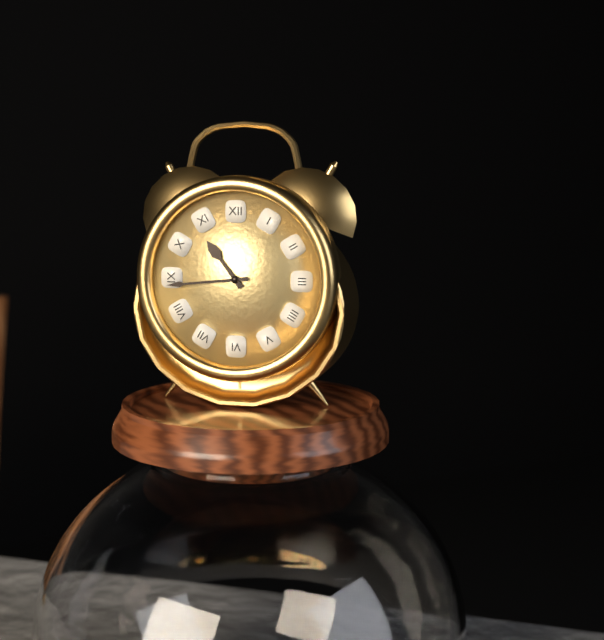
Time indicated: {"hour": 10, "minute": 44}
